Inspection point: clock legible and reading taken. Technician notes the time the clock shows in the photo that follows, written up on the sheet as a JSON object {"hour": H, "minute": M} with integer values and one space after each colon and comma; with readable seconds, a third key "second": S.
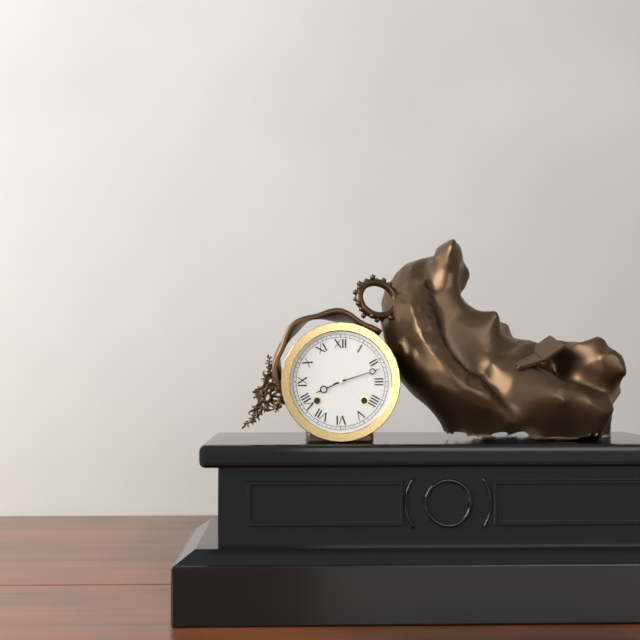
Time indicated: {"hour": 8, "minute": 12}
